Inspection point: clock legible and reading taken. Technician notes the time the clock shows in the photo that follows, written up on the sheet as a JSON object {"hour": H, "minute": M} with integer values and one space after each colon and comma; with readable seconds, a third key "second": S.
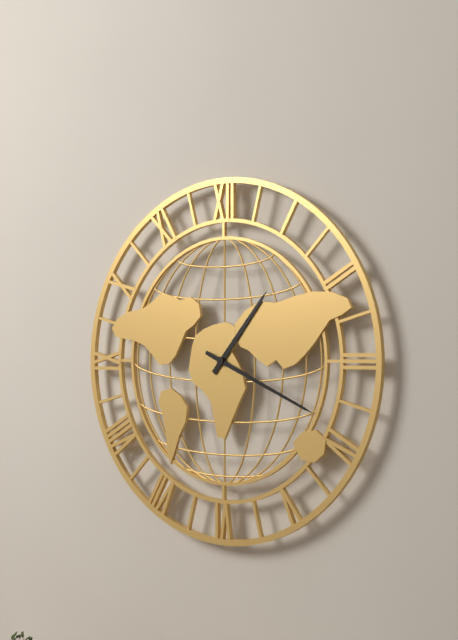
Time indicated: {"hour": 1, "minute": 19}
